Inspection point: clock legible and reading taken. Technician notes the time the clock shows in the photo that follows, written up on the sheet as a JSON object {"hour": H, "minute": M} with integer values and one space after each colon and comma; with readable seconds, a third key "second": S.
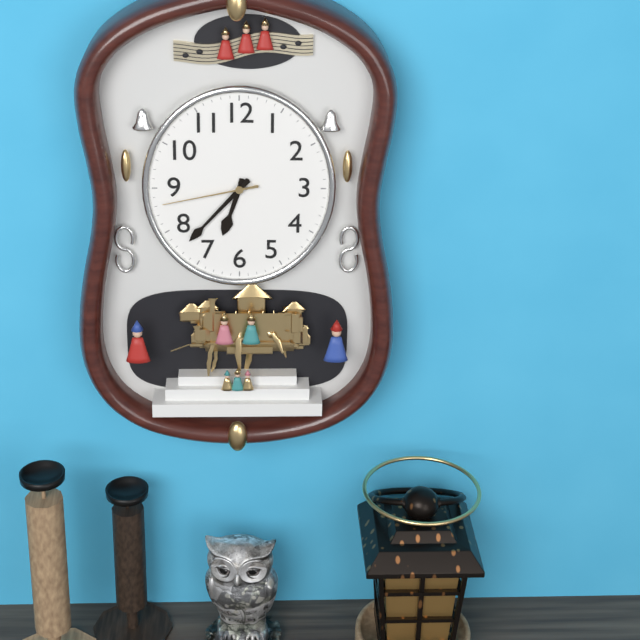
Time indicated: {"hour": 6, "minute": 37, "second": 43}
